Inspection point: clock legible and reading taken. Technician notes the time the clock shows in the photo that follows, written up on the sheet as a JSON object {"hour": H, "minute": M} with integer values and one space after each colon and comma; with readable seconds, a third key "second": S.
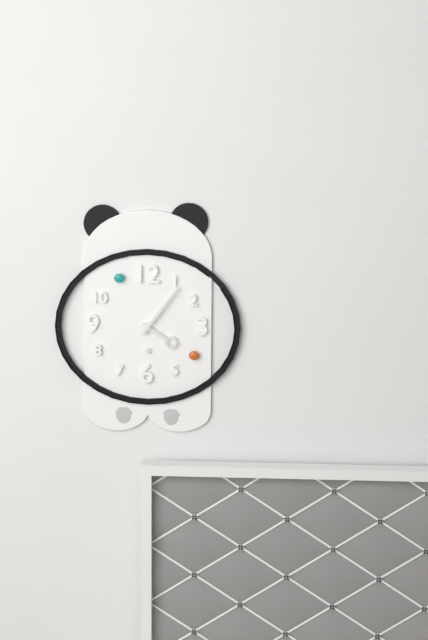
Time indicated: {"hour": 4, "minute": 6}
